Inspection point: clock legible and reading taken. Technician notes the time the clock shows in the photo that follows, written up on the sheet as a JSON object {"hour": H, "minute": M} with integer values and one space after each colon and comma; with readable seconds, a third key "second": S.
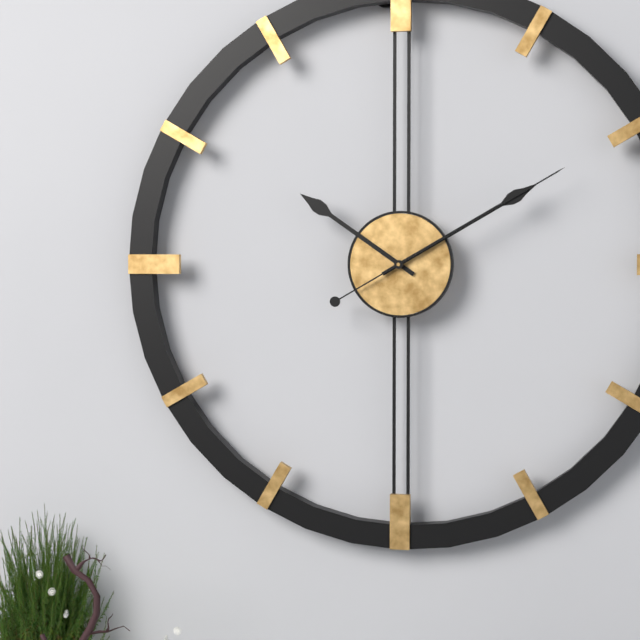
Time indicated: {"hour": 10, "minute": 10, "second": 10}
